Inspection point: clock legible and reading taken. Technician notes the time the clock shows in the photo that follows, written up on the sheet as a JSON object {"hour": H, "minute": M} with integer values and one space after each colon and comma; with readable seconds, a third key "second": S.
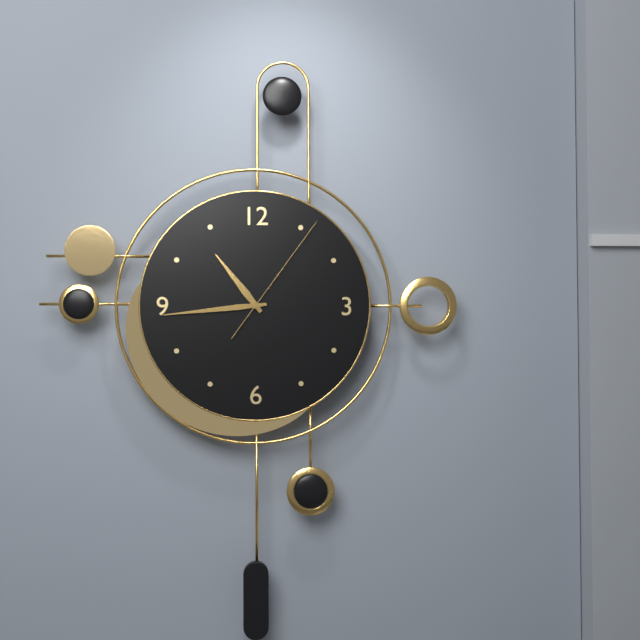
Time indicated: {"hour": 10, "minute": 44, "second": 6}
